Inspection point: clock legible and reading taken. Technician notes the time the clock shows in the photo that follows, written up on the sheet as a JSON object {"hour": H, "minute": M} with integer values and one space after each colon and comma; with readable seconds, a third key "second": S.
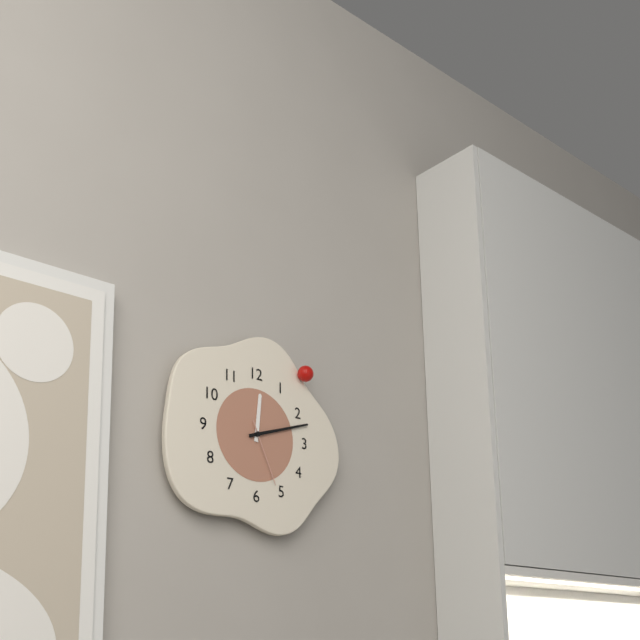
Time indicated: {"hour": 12, "minute": 12, "second": 26}
